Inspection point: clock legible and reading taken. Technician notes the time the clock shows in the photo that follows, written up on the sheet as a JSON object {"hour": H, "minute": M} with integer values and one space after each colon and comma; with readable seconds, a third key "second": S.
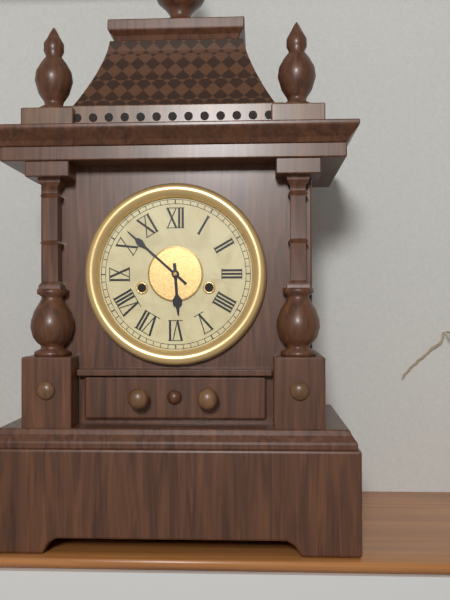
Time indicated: {"hour": 5, "minute": 52}
